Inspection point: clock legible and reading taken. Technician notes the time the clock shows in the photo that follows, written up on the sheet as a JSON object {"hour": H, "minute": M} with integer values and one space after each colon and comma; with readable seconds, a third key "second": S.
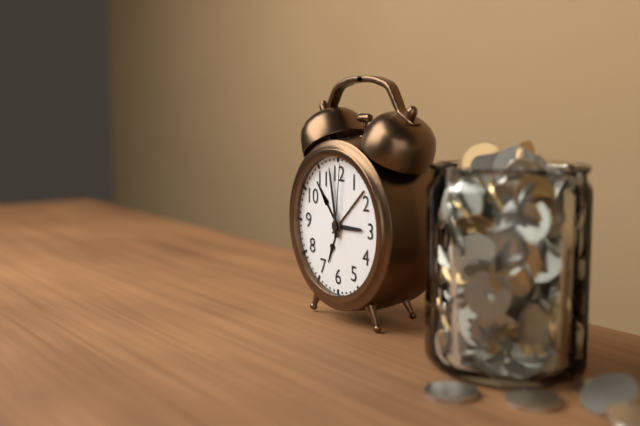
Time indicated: {"hour": 2, "minute": 58, "second": 1}
